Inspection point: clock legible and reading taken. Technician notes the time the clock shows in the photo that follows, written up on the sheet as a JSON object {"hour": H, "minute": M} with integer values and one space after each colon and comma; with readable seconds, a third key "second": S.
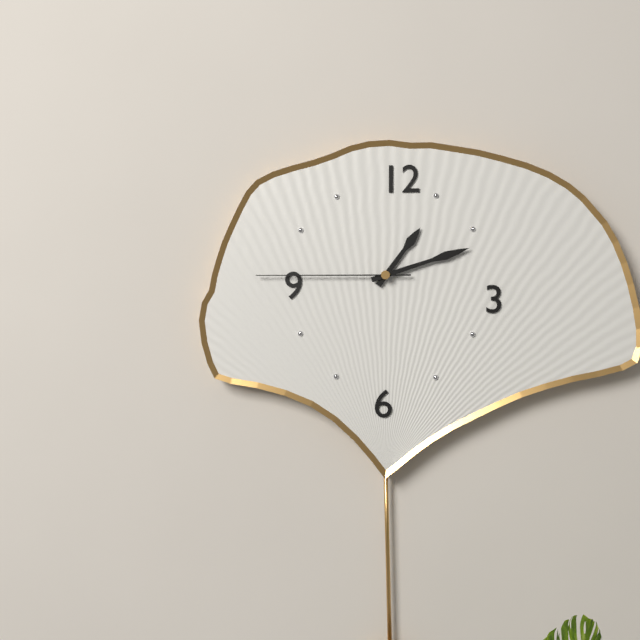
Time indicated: {"hour": 1, "minute": 12, "second": 45}
